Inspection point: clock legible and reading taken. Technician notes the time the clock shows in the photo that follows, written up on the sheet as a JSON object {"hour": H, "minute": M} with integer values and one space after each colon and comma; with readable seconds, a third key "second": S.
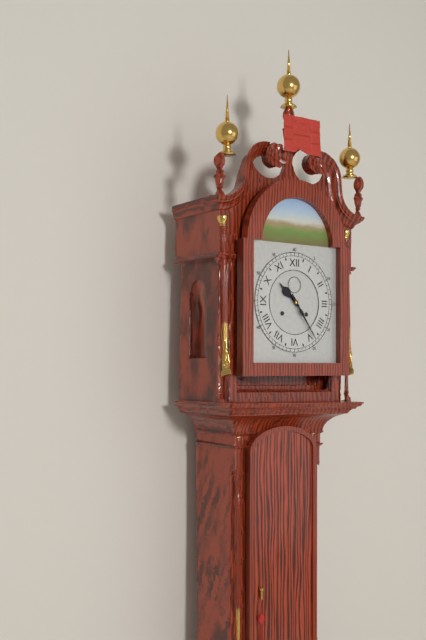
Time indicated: {"hour": 10, "minute": 24}
